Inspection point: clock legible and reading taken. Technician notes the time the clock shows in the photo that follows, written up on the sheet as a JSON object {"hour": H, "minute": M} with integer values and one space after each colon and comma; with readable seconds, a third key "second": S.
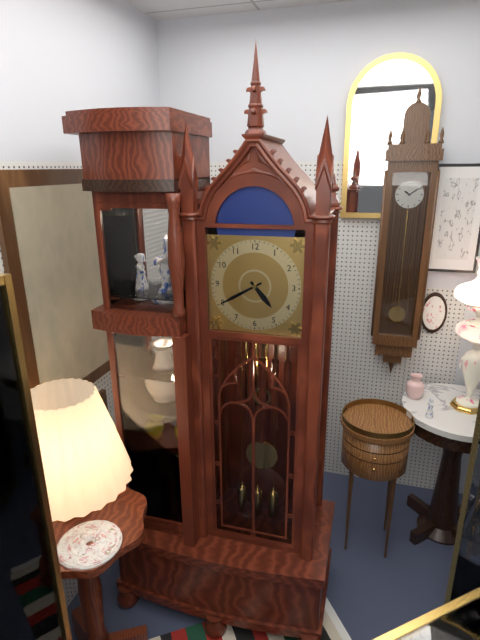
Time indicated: {"hour": 4, "minute": 40}
